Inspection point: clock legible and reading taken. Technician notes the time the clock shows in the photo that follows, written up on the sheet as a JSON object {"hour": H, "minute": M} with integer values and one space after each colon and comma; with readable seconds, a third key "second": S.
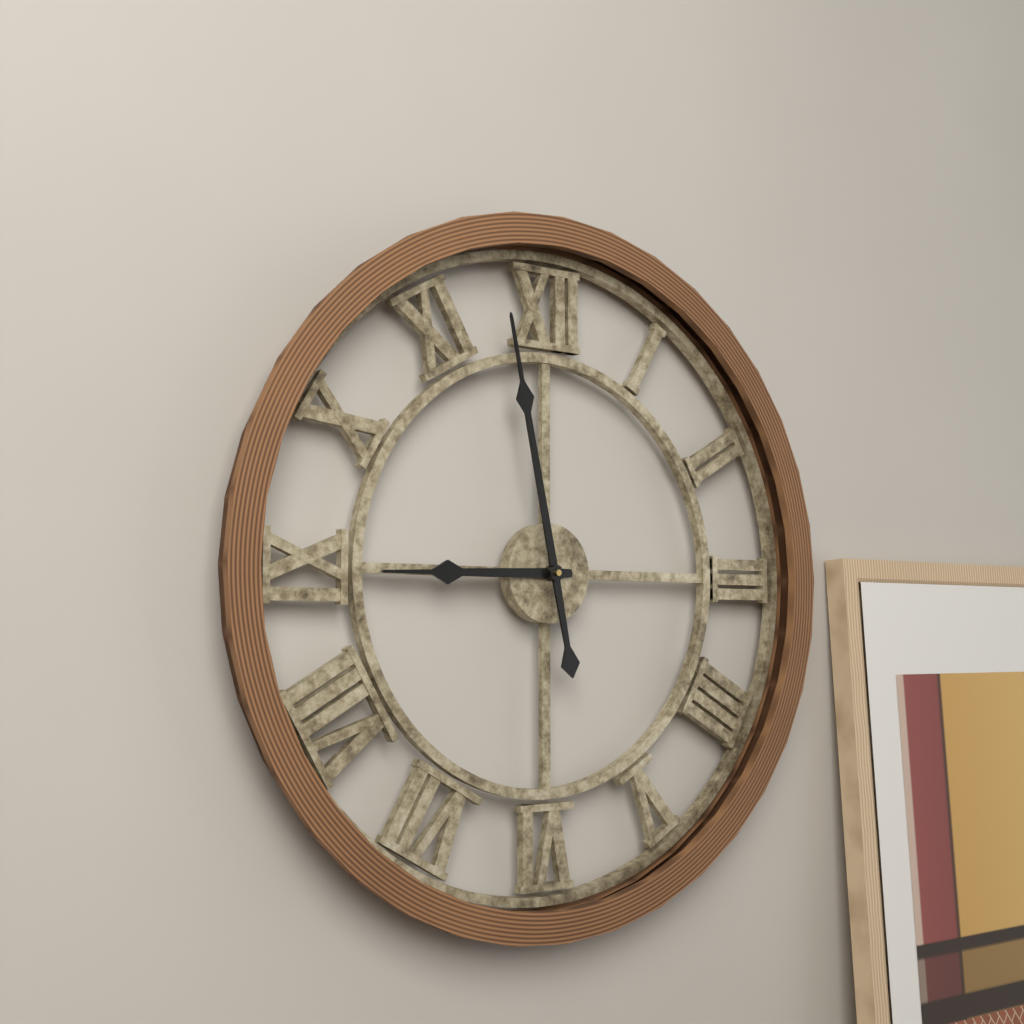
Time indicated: {"hour": 8, "minute": 58}
